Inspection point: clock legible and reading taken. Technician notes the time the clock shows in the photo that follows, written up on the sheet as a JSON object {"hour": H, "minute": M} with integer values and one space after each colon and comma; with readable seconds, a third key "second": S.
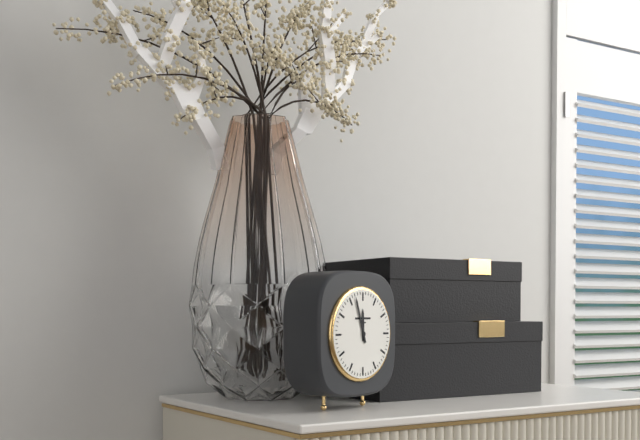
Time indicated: {"hour": 11, "minute": 57}
